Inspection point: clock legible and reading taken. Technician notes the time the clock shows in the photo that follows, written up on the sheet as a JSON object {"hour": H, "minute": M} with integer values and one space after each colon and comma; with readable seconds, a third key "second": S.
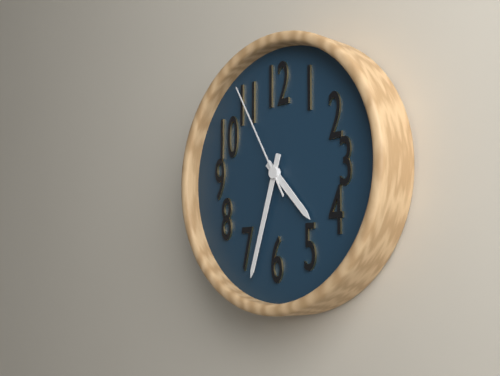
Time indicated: {"hour": 4, "minute": 33, "second": 55}
